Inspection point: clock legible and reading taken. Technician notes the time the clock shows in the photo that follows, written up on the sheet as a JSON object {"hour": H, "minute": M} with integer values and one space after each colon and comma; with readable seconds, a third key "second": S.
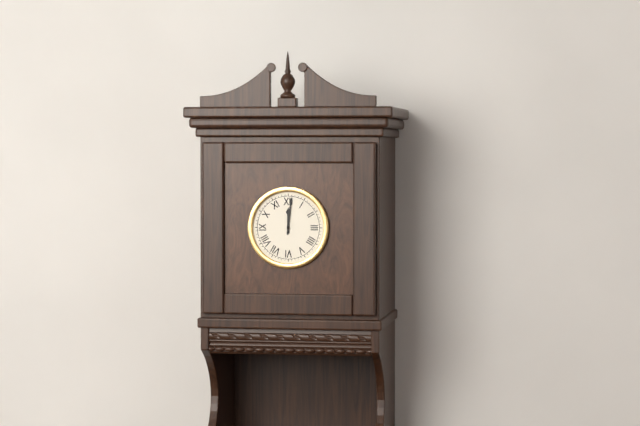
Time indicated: {"hour": 12, "minute": 1}
